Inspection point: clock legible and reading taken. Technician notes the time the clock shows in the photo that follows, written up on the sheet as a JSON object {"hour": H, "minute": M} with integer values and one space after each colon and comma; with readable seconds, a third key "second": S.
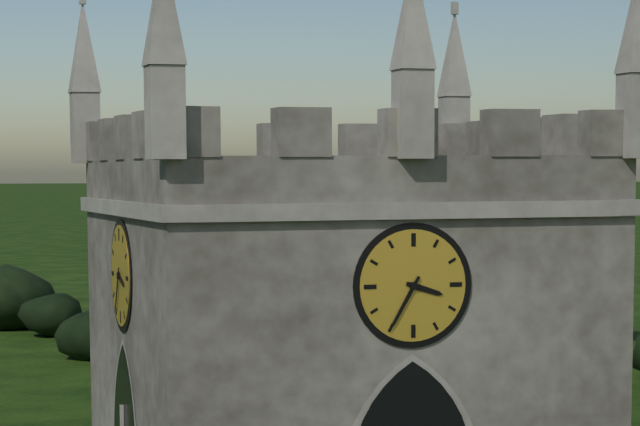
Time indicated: {"hour": 3, "minute": 35}
